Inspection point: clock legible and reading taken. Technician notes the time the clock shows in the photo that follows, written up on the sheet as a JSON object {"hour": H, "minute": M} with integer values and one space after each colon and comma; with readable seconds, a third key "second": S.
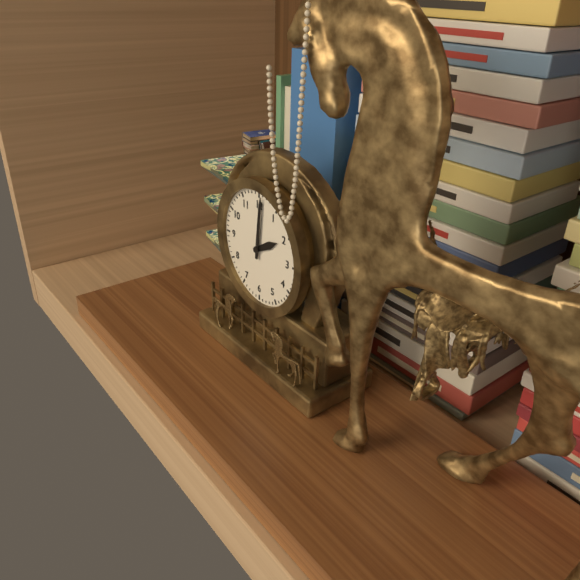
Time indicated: {"hour": 2, "minute": 1}
